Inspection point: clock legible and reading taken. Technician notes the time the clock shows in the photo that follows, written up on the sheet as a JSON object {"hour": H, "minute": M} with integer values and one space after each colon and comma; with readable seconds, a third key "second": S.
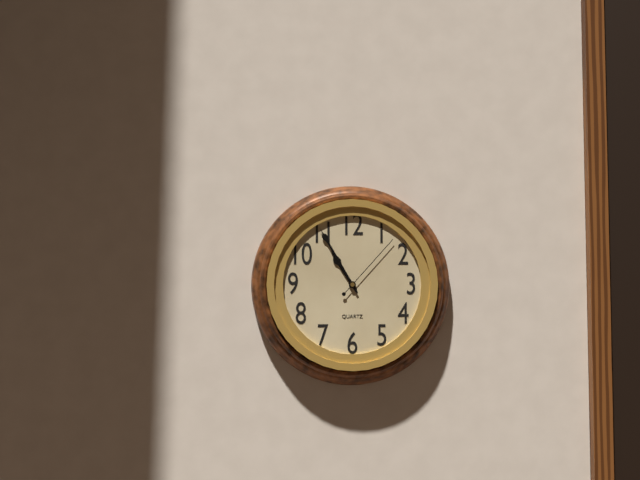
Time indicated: {"hour": 10, "minute": 55, "second": 7}
